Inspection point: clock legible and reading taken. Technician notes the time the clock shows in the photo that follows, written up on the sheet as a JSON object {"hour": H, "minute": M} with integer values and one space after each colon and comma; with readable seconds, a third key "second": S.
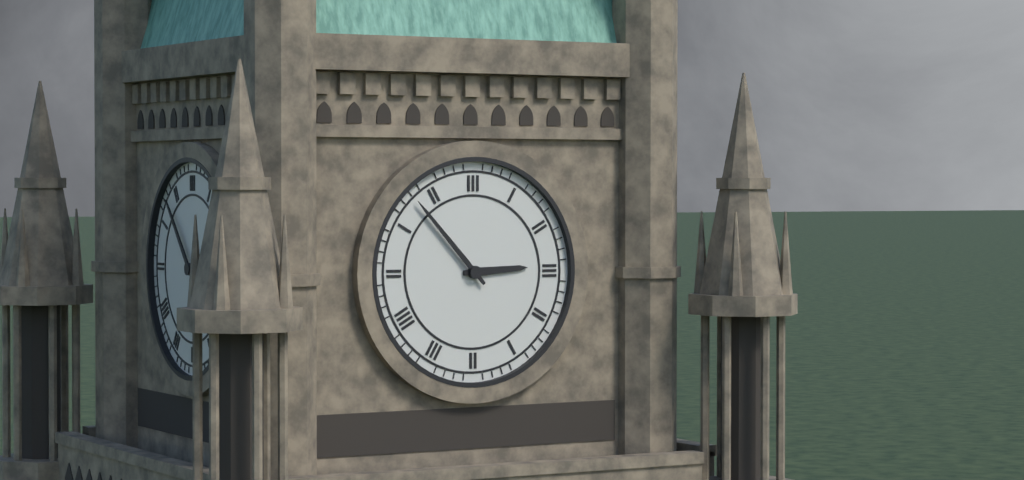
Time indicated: {"hour": 2, "minute": 53}
